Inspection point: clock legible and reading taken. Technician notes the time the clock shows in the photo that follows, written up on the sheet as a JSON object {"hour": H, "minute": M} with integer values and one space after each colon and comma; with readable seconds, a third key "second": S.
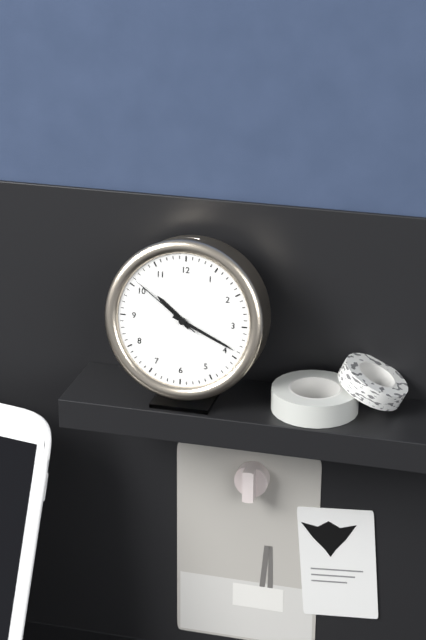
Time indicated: {"hour": 10, "minute": 19, "second": 51}
